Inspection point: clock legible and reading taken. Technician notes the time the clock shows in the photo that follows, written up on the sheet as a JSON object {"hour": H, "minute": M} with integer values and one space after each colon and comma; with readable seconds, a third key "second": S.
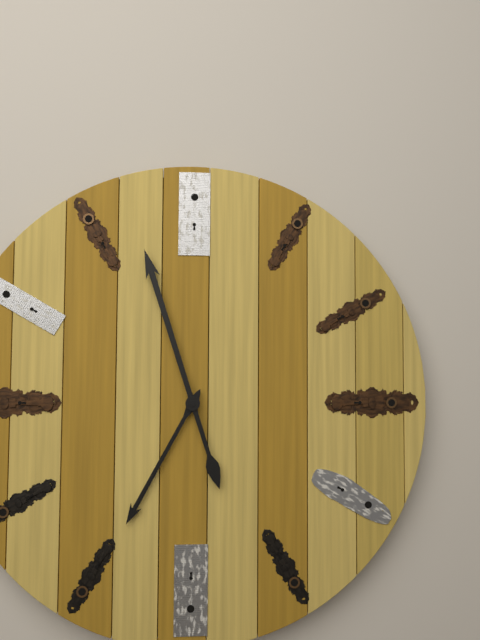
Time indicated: {"hour": 6, "minute": 57}
